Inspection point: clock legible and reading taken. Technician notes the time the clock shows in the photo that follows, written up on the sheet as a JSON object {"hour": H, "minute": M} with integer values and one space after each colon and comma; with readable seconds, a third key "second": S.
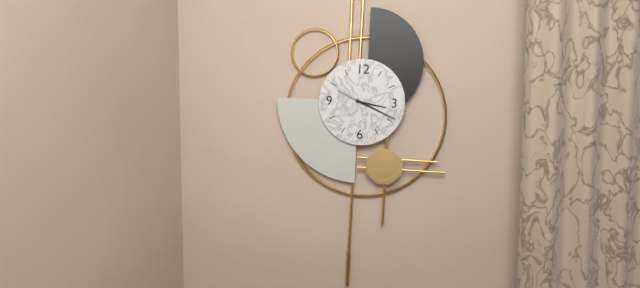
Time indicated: {"hour": 3, "minute": 19}
